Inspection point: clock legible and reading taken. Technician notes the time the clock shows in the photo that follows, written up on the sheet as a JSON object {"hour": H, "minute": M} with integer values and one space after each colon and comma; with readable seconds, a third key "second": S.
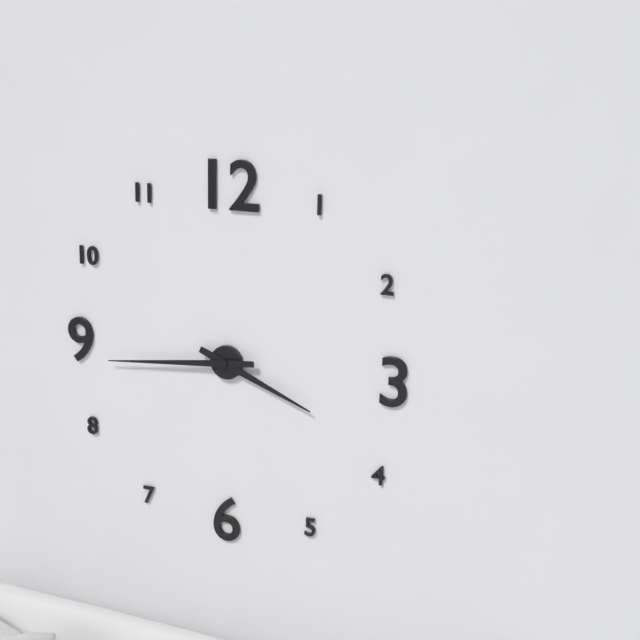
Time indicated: {"hour": 3, "minute": 44}
